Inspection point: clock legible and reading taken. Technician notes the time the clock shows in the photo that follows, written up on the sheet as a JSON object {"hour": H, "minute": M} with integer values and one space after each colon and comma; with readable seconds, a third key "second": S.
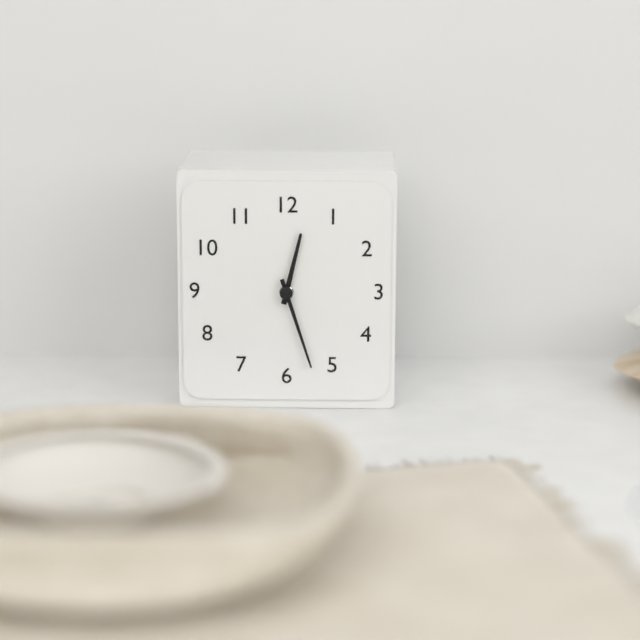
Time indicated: {"hour": 12, "minute": 27}
